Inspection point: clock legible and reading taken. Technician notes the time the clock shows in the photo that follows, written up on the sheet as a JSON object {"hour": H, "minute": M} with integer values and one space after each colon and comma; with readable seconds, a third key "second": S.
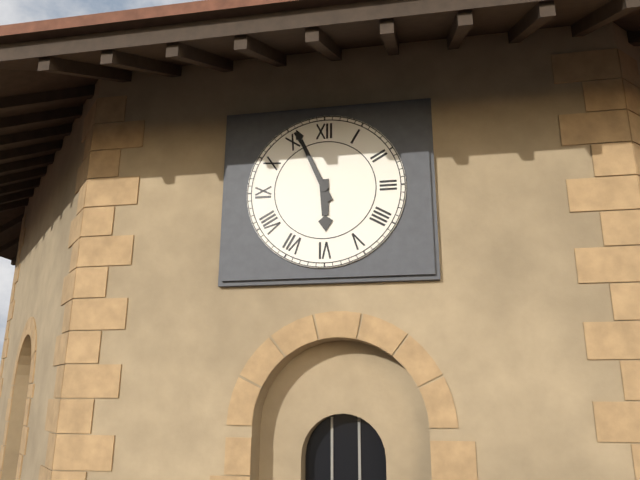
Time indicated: {"hour": 5, "minute": 56}
